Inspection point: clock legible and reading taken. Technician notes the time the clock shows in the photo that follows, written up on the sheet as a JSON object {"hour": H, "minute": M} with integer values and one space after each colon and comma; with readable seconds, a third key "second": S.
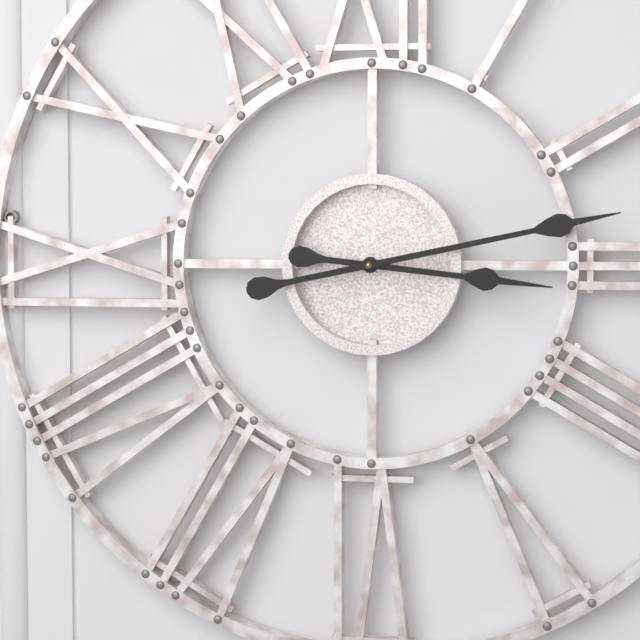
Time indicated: {"hour": 3, "minute": 13}
